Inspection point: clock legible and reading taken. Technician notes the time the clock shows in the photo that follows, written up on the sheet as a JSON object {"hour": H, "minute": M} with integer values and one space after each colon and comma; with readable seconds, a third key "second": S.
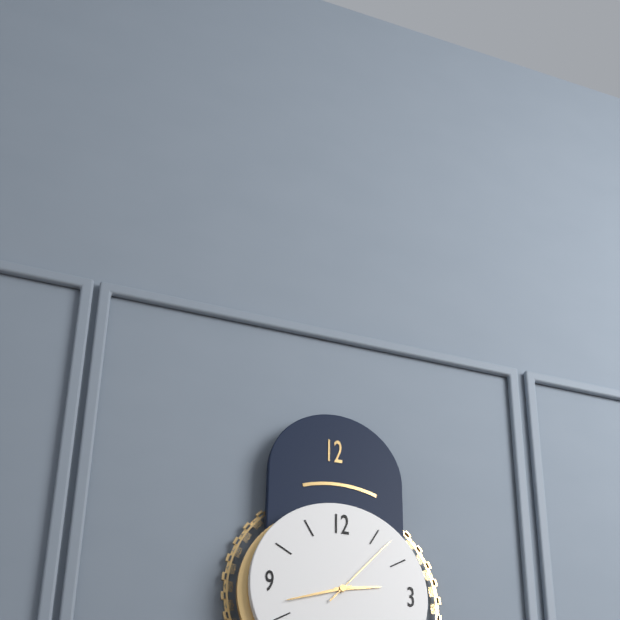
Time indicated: {"hour": 2, "minute": 42, "second": 7}
